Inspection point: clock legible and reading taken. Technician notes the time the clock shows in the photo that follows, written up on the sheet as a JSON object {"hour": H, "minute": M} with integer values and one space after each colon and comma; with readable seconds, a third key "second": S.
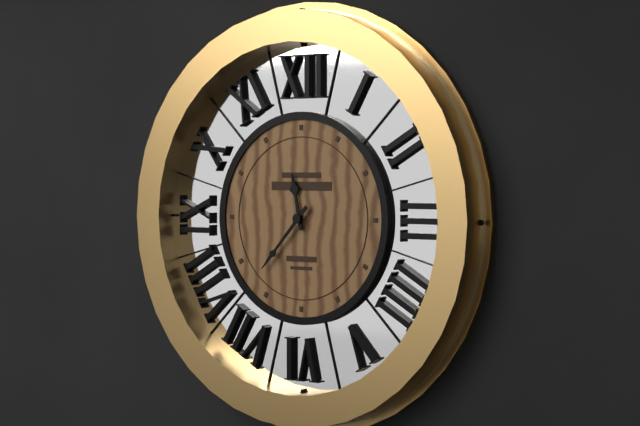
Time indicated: {"hour": 11, "minute": 37}
